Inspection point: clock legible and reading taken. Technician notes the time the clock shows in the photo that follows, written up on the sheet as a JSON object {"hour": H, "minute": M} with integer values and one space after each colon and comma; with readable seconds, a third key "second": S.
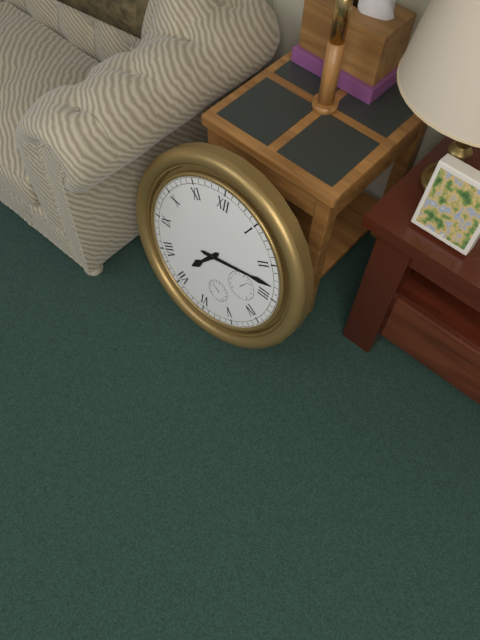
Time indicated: {"hour": 7, "minute": 13}
